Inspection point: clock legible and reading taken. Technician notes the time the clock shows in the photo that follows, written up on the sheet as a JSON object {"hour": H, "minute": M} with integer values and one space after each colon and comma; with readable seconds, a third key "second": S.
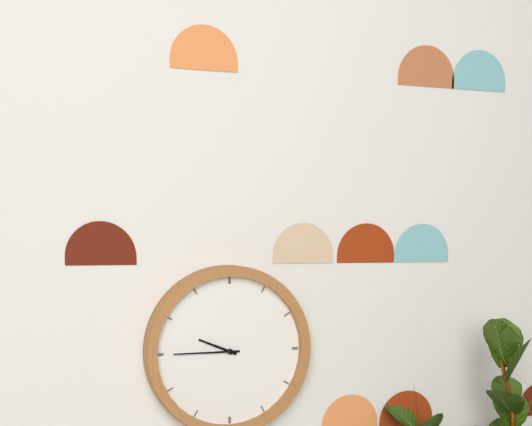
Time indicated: {"hour": 9, "minute": 45}
